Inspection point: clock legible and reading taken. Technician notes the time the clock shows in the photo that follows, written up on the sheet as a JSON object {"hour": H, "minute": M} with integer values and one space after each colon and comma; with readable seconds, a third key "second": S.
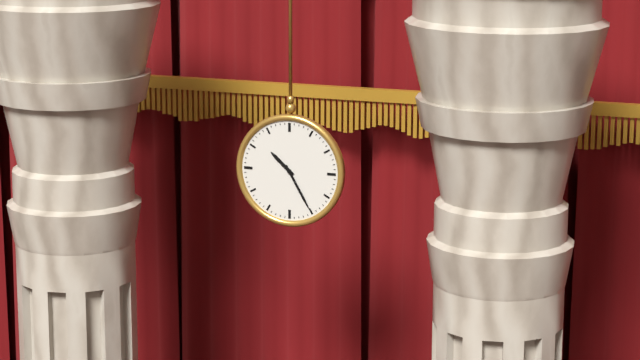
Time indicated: {"hour": 10, "minute": 25}
